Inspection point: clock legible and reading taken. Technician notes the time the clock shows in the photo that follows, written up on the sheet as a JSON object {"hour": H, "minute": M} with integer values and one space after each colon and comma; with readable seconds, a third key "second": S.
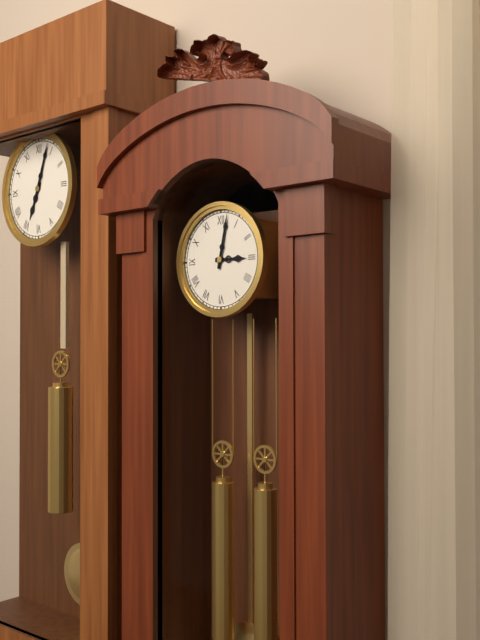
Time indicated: {"hour": 3, "minute": 2}
